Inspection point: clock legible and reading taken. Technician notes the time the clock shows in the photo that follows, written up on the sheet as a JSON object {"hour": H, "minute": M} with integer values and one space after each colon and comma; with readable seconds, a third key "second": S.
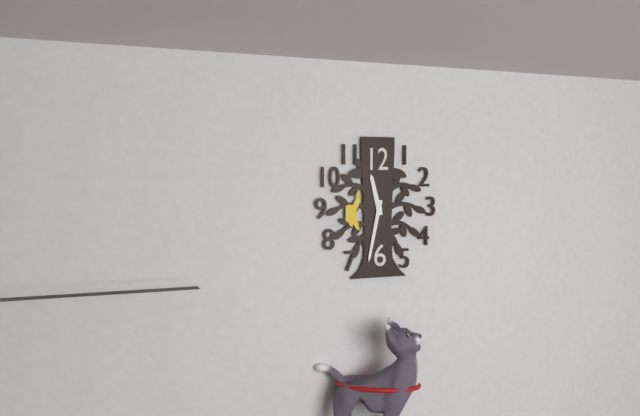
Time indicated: {"hour": 11, "minute": 32}
